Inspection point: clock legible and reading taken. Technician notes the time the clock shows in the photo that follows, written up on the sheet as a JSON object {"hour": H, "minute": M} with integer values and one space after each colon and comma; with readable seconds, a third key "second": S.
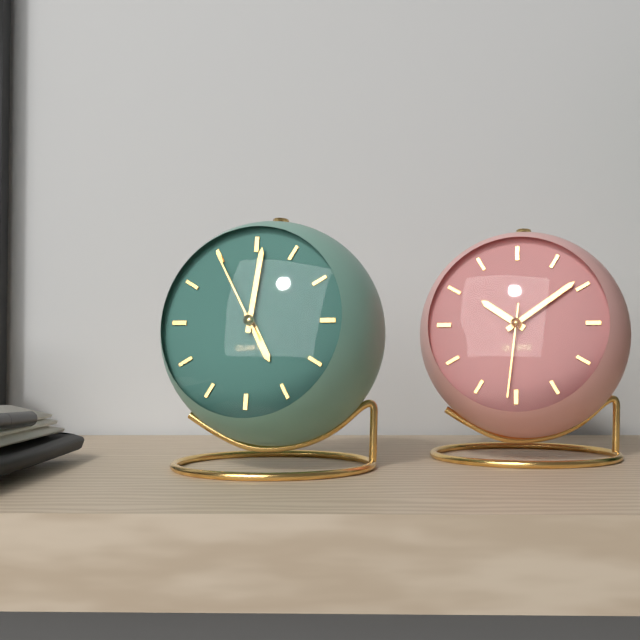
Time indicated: {"hour": 5, "minute": 1, "second": 55}
